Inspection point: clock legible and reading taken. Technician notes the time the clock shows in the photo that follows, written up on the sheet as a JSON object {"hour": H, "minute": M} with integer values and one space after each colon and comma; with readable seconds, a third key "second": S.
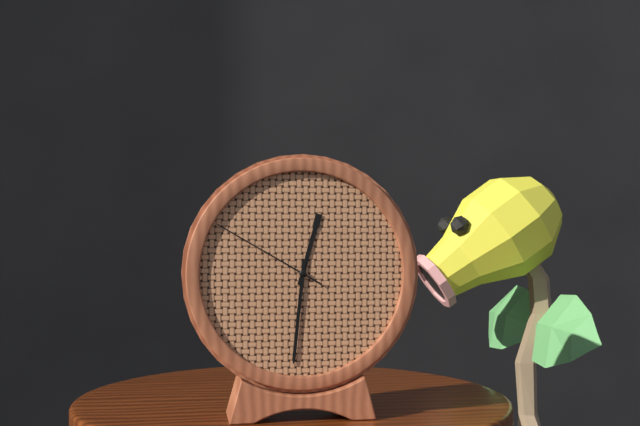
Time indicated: {"hour": 12, "minute": 31, "second": 50}
